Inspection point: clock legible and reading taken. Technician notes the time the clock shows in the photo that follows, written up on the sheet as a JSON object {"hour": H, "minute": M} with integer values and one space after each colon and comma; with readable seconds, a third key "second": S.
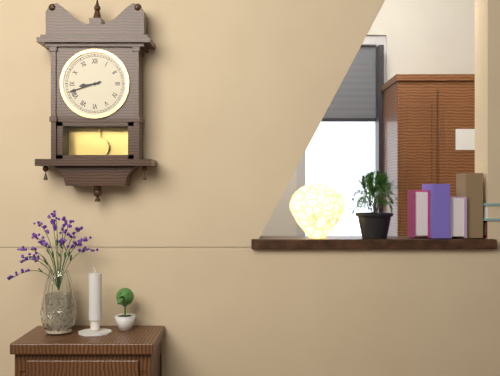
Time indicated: {"hour": 8, "minute": 42}
